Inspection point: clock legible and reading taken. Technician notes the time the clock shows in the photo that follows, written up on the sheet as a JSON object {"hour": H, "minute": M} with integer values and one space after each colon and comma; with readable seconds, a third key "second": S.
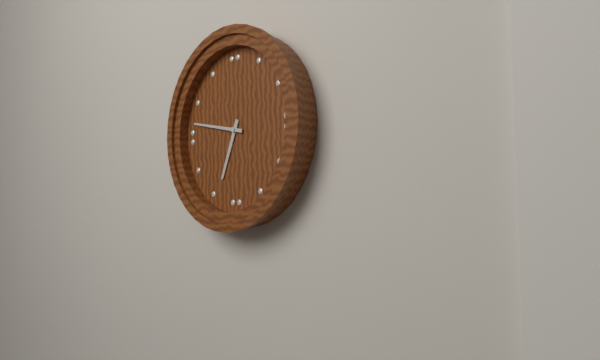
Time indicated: {"hour": 6, "minute": 47}
